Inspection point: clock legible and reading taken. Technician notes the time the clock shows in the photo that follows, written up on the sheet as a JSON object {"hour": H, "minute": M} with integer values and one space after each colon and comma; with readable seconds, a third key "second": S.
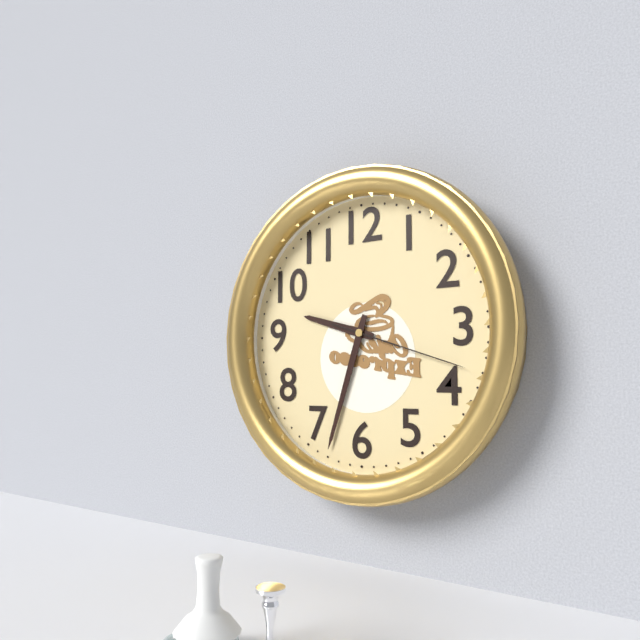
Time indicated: {"hour": 9, "minute": 33, "second": 18}
